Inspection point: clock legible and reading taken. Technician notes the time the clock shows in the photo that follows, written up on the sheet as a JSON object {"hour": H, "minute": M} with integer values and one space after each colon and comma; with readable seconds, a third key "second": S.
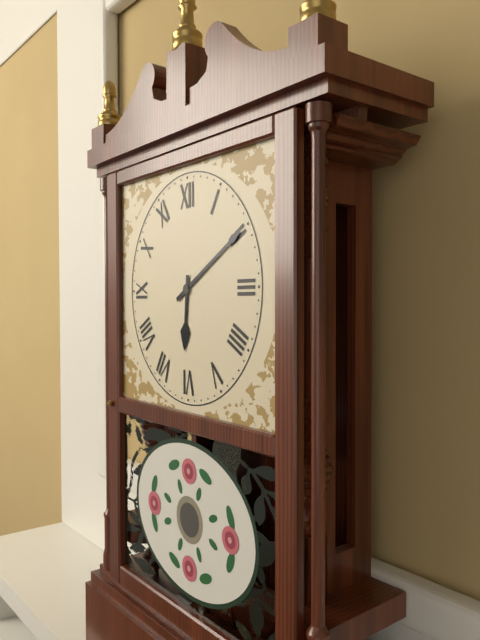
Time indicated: {"hour": 6, "minute": 10}
